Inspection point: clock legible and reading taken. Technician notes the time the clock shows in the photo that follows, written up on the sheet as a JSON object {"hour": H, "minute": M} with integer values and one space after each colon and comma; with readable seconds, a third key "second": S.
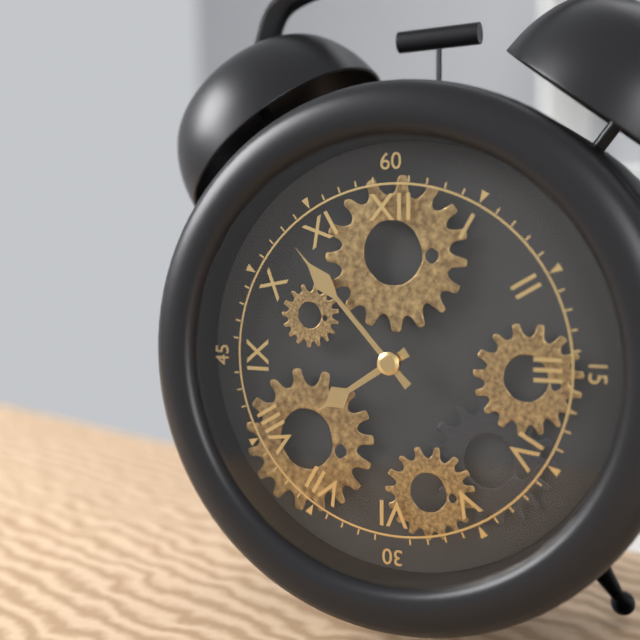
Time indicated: {"hour": 7, "minute": 53}
